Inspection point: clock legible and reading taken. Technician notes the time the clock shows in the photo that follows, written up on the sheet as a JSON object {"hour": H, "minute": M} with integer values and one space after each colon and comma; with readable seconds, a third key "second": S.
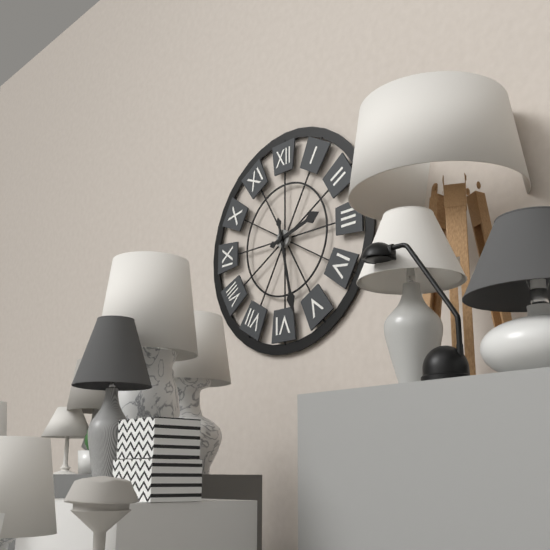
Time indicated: {"hour": 2, "minute": 28}
